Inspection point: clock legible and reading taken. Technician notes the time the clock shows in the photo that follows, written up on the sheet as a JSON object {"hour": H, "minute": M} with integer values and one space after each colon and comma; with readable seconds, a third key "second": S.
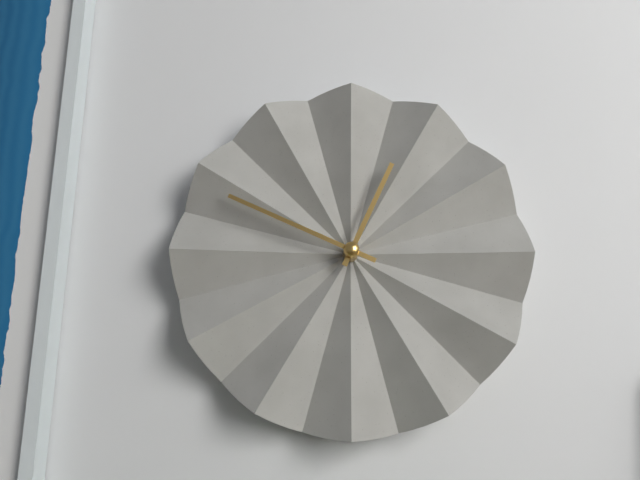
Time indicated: {"hour": 12, "minute": 49}
